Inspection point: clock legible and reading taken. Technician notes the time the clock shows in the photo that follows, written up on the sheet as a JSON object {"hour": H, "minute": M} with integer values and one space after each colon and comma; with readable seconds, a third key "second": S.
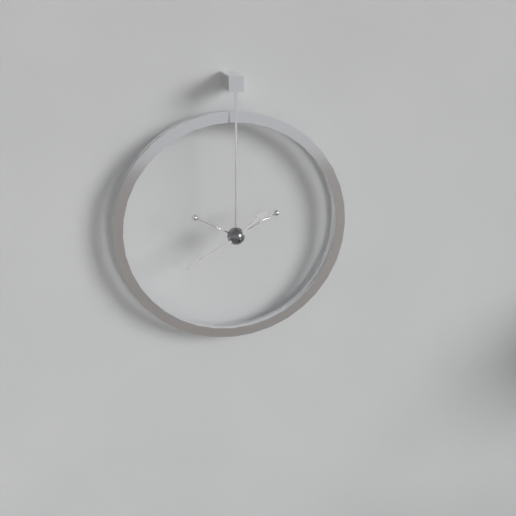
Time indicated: {"hour": 1, "minute": 40}
